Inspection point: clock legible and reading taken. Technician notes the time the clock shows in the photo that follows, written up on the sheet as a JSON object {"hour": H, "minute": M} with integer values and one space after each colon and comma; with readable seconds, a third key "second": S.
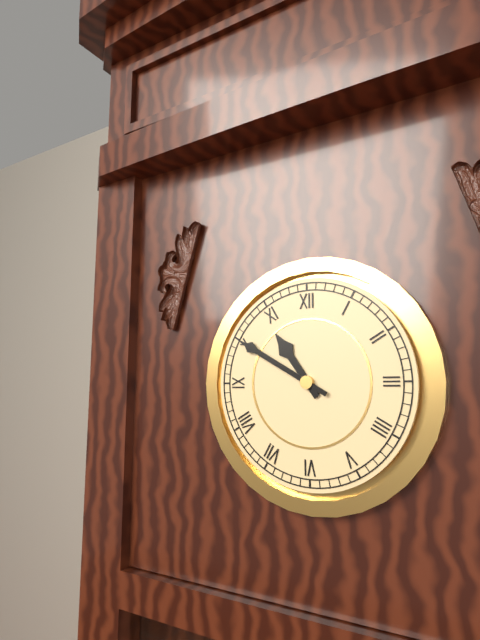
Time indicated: {"hour": 10, "minute": 50}
